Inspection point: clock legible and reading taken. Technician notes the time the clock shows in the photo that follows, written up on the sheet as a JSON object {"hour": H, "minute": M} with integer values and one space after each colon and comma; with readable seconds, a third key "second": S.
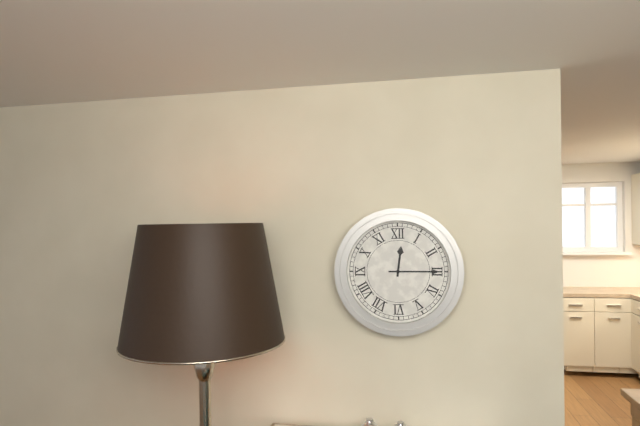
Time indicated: {"hour": 12, "minute": 15}
